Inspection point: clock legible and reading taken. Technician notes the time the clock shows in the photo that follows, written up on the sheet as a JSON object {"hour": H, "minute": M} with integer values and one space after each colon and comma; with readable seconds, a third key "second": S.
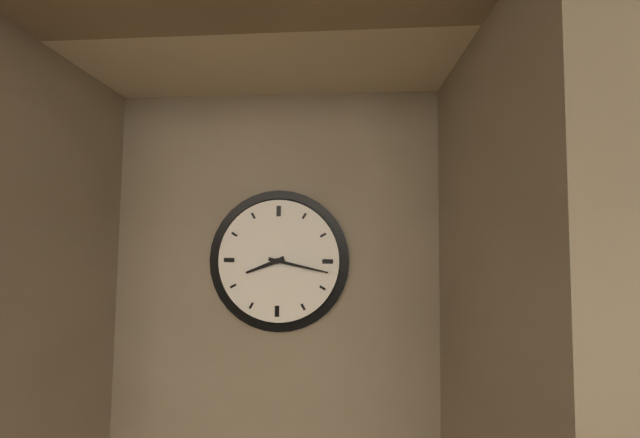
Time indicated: {"hour": 8, "minute": 17}
